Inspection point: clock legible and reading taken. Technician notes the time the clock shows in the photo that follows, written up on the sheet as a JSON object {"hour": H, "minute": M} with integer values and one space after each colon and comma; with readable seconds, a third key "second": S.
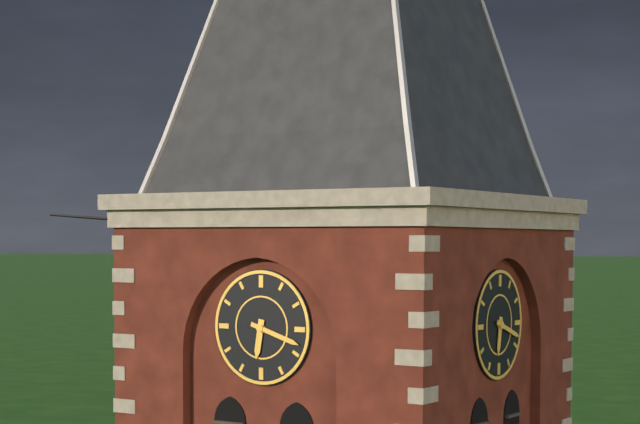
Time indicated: {"hour": 6, "minute": 18}
